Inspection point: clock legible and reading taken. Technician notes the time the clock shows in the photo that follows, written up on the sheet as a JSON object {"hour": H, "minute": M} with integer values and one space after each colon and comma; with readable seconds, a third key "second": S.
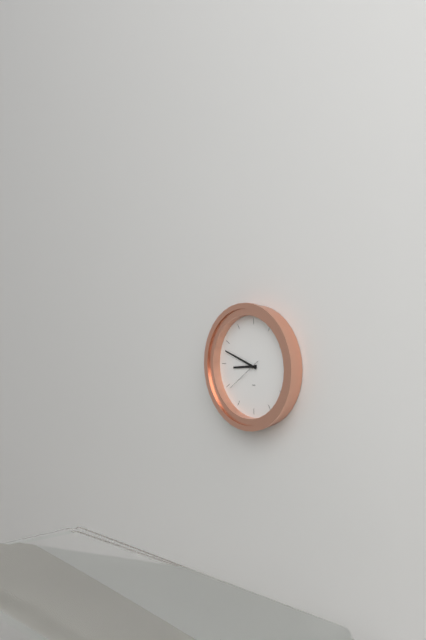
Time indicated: {"hour": 8, "minute": 48}
